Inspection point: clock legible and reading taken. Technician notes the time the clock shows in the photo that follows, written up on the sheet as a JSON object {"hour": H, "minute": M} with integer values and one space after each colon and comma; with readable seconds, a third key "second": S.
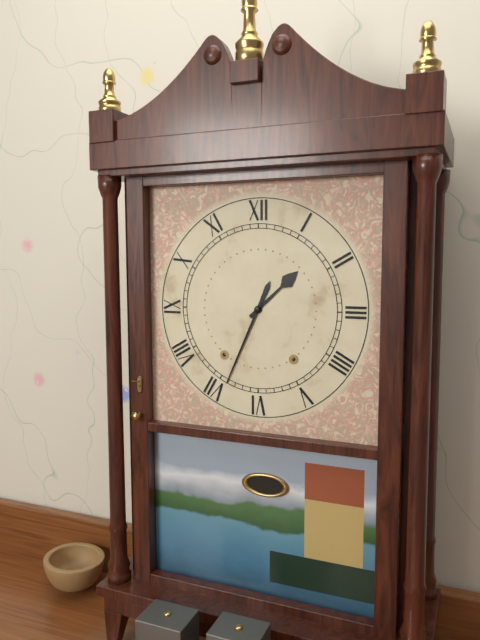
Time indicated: {"hour": 1, "minute": 34}
